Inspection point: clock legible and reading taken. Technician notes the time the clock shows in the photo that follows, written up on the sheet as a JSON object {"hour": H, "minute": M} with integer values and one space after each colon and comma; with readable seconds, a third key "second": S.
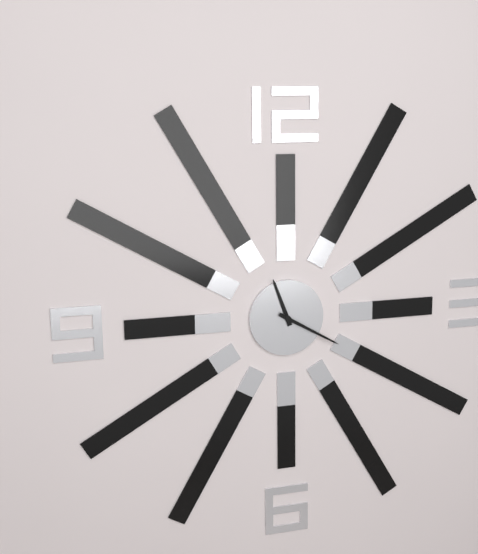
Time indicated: {"hour": 11, "minute": 20}
